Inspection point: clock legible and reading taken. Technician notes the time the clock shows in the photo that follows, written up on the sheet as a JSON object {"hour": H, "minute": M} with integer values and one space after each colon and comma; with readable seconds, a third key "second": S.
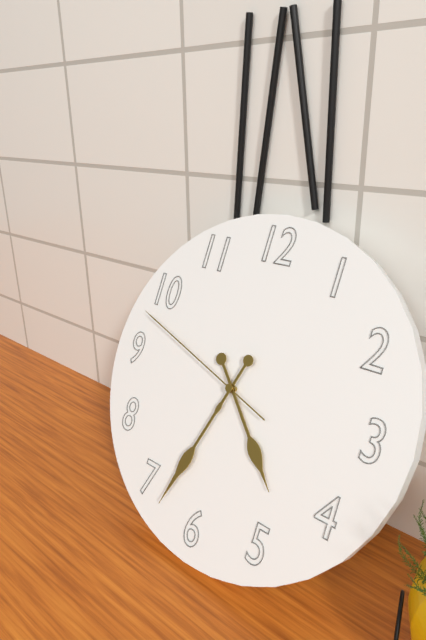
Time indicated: {"hour": 4, "minute": 33, "second": 48}
